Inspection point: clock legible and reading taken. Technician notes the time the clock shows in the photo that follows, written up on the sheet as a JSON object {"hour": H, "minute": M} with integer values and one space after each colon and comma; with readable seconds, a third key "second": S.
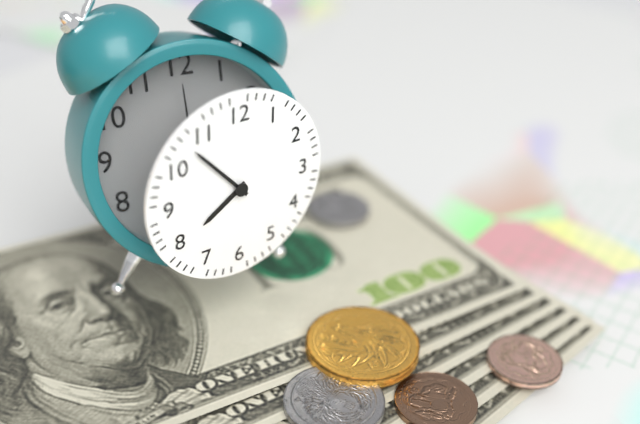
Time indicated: {"hour": 7, "minute": 53}
